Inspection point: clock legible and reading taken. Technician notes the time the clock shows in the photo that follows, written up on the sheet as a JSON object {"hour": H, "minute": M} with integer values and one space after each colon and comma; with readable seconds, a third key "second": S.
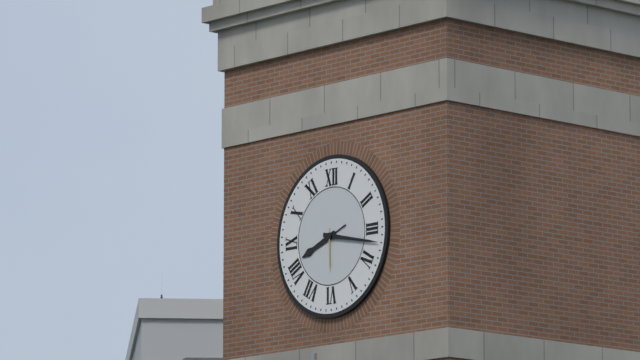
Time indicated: {"hour": 8, "minute": 17}
